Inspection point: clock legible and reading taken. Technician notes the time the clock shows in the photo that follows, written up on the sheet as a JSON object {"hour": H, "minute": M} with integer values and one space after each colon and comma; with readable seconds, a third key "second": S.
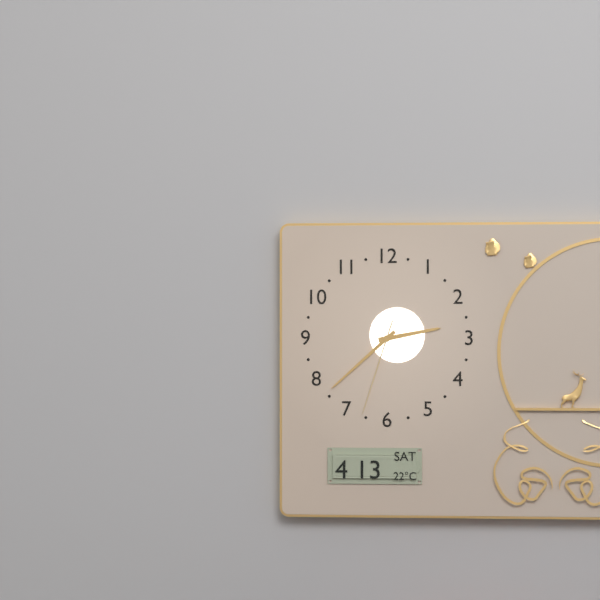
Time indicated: {"hour": 2, "minute": 38, "second": 33}
